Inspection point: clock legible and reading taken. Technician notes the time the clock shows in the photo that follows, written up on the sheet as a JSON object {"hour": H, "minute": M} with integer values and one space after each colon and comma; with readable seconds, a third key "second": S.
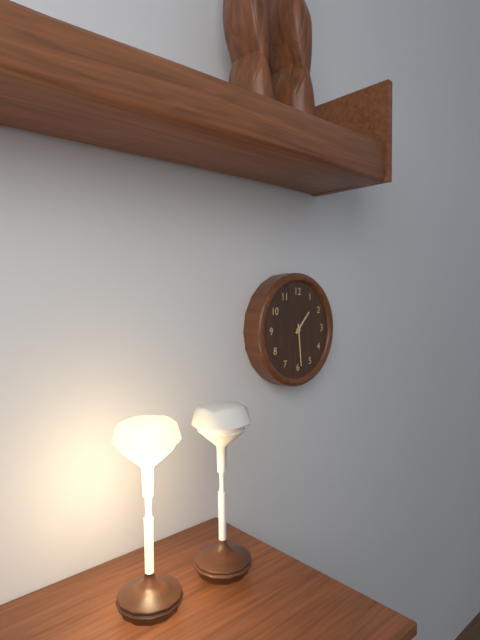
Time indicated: {"hour": 1, "minute": 29}
